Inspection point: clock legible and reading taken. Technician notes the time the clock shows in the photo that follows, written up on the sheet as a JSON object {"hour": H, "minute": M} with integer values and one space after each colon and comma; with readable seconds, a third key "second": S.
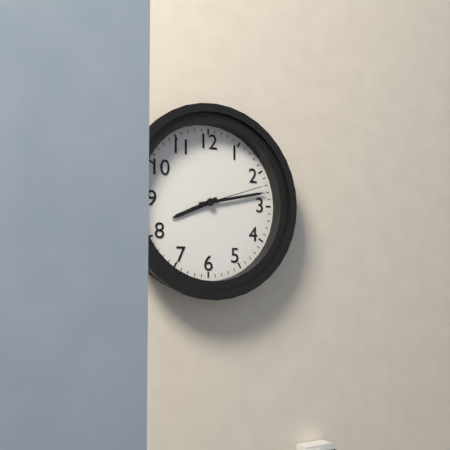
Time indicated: {"hour": 8, "minute": 13, "second": 12}
